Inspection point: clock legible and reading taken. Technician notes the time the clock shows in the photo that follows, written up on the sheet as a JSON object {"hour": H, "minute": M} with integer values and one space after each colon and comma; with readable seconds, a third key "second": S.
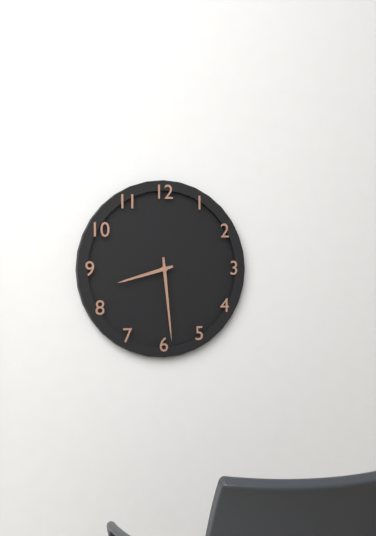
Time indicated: {"hour": 8, "minute": 29}
